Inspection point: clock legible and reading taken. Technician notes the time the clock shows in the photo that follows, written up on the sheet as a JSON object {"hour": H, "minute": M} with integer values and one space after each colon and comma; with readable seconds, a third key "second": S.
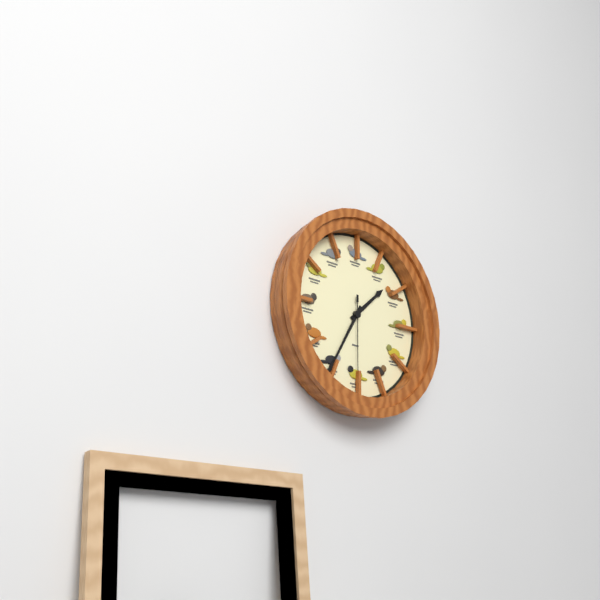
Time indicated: {"hour": 1, "minute": 35}
